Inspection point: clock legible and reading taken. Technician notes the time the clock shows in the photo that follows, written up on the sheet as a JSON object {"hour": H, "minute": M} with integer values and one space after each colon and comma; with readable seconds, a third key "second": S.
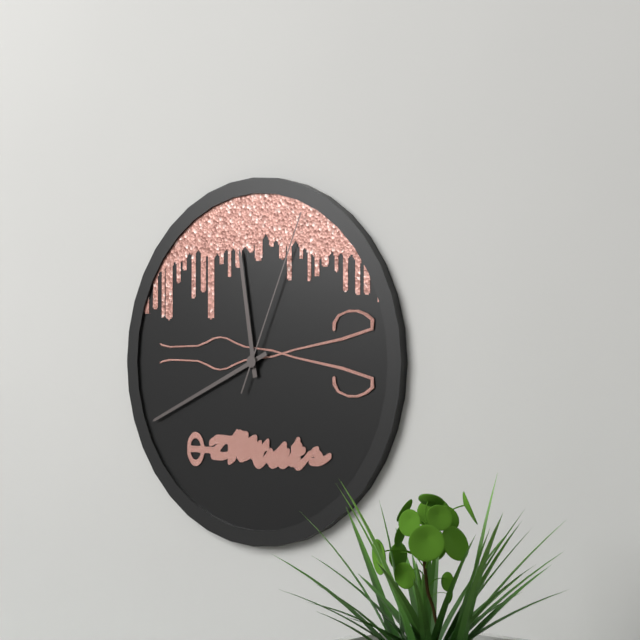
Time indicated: {"hour": 11, "minute": 41, "second": 4}
